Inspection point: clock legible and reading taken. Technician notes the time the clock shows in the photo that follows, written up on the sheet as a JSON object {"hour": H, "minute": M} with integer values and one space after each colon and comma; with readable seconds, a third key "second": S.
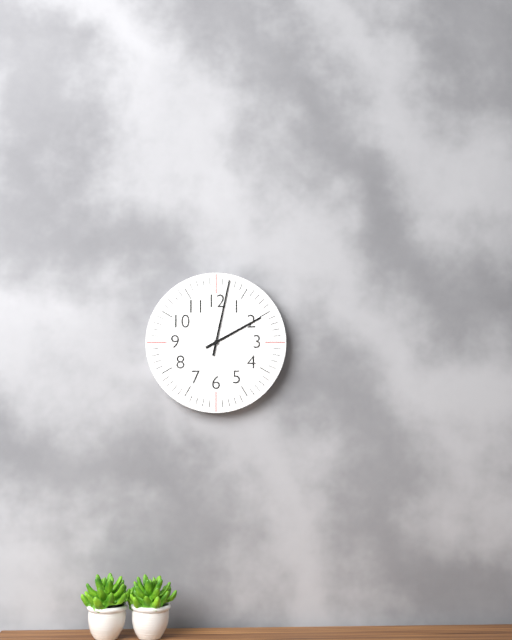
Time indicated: {"hour": 2, "minute": 2}
